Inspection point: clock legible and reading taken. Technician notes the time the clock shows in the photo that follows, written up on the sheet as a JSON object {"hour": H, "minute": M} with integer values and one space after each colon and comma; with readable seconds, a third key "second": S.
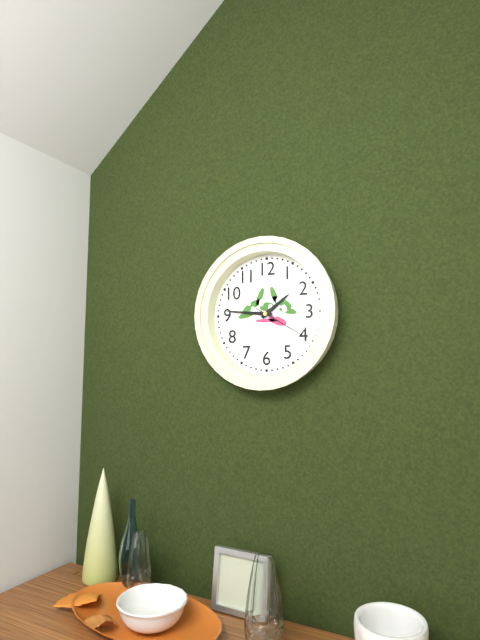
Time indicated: {"hour": 1, "minute": 46, "second": 20}
